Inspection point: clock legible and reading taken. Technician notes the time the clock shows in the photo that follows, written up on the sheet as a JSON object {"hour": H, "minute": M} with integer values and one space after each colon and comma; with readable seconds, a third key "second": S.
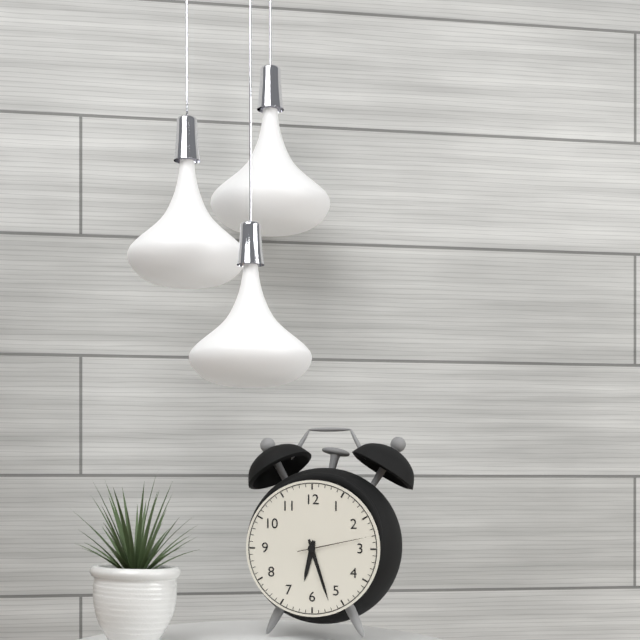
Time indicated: {"hour": 6, "minute": 27, "second": 13}
